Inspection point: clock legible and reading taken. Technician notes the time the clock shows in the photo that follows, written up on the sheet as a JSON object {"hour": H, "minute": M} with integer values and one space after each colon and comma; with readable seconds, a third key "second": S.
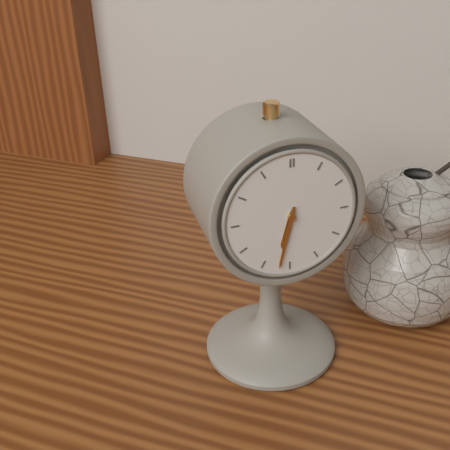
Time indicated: {"hour": 6, "minute": 32}
